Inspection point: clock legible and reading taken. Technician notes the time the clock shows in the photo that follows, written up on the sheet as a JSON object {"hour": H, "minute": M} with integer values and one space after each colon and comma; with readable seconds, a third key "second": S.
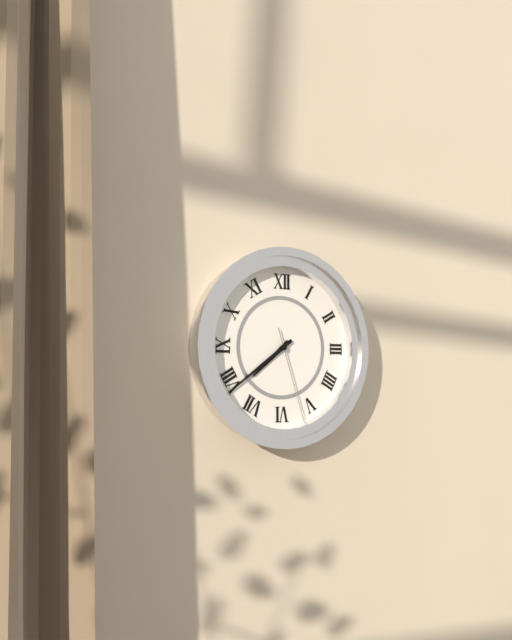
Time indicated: {"hour": 7, "minute": 39, "second": 27}
